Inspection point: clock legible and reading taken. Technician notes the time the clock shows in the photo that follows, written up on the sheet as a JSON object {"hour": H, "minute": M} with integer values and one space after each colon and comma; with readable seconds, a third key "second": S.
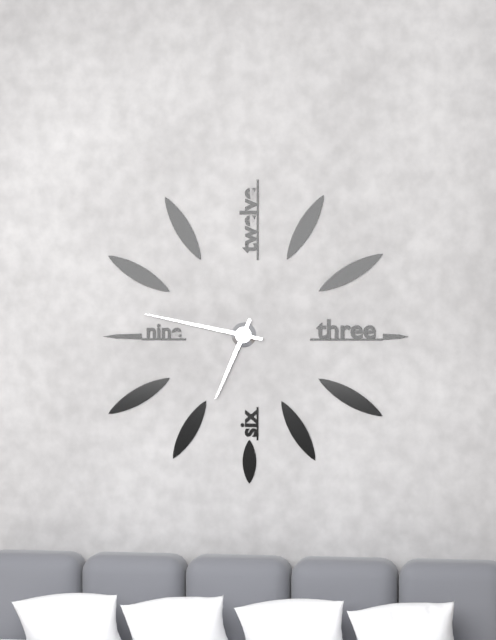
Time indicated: {"hour": 6, "minute": 47}
